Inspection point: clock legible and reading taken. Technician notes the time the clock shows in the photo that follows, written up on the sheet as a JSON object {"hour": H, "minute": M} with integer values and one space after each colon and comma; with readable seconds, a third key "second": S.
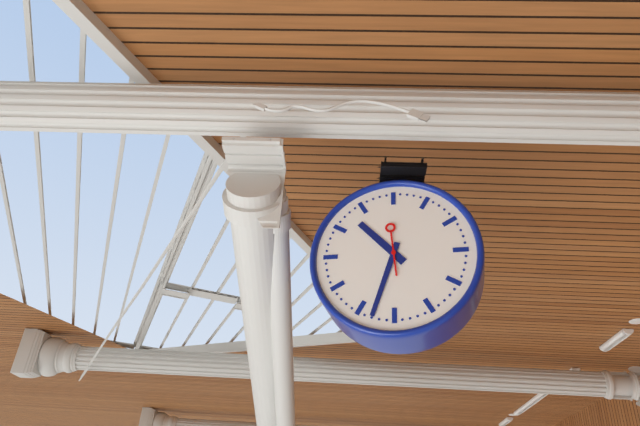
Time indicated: {"hour": 10, "minute": 33}
